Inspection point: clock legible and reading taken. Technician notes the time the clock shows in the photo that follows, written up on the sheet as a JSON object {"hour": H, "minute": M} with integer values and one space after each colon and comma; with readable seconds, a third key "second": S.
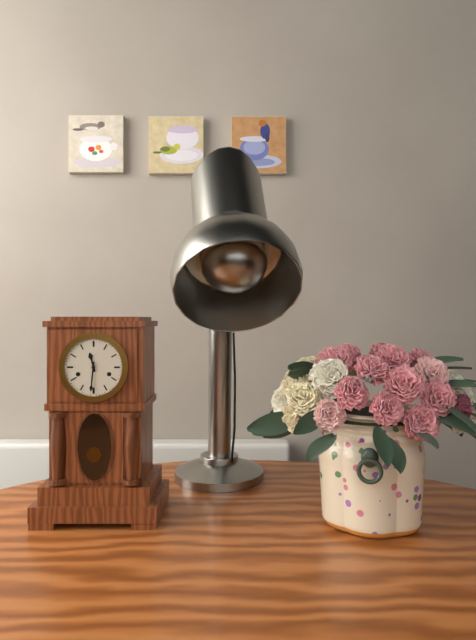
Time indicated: {"hour": 11, "minute": 31}
